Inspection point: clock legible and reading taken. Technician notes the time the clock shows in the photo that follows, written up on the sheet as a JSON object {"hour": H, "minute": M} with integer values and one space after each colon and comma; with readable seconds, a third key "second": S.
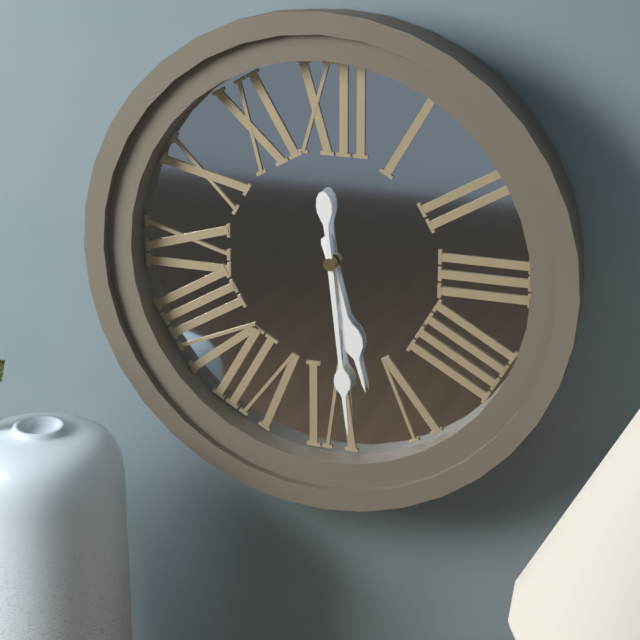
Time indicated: {"hour": 5, "minute": 29}
